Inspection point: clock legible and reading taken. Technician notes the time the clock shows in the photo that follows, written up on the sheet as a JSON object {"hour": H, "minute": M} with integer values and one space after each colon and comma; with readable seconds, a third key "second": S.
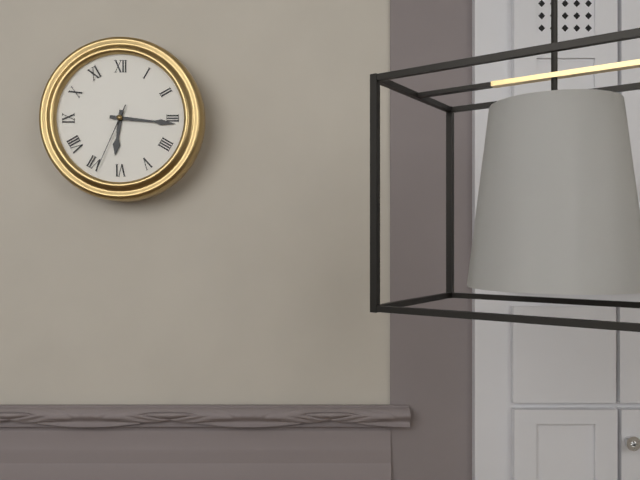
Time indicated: {"hour": 6, "minute": 16, "second": 34}
